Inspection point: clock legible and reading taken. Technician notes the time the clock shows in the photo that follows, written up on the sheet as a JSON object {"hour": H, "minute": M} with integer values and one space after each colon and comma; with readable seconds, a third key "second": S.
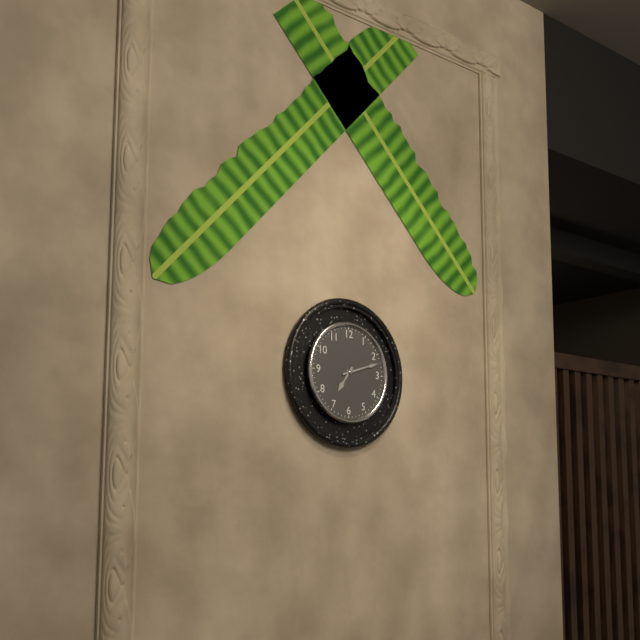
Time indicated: {"hour": 7, "minute": 12}
